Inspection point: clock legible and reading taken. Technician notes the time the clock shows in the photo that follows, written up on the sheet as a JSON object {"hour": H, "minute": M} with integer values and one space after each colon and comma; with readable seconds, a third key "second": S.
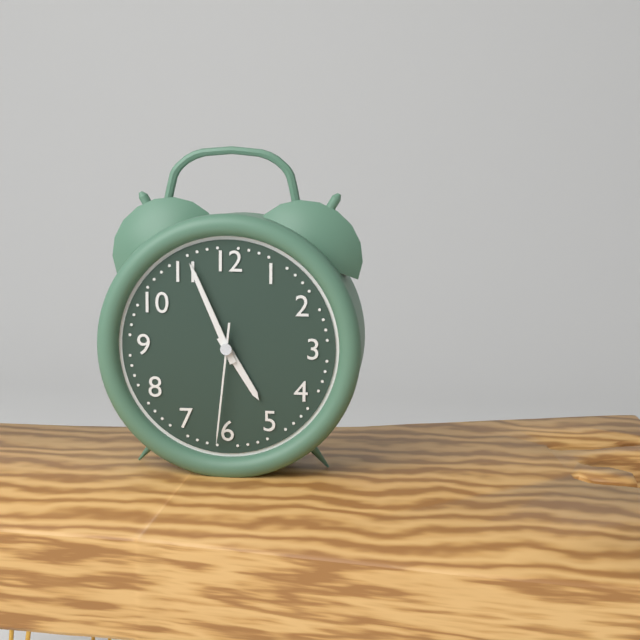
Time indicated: {"hour": 4, "minute": 56, "second": 31}
